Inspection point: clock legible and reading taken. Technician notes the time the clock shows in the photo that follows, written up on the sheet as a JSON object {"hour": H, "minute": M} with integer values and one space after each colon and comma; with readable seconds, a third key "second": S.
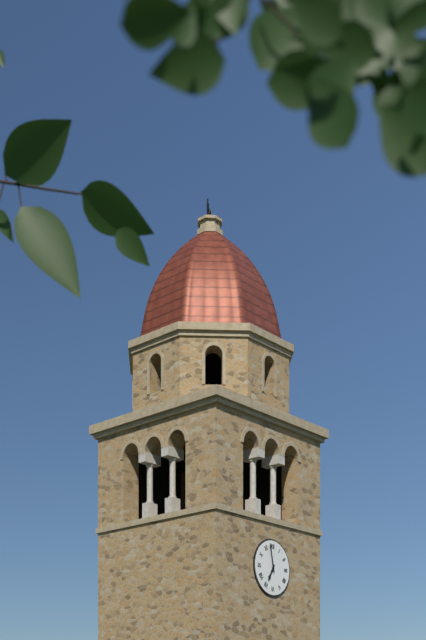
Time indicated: {"hour": 6, "minute": 58}
